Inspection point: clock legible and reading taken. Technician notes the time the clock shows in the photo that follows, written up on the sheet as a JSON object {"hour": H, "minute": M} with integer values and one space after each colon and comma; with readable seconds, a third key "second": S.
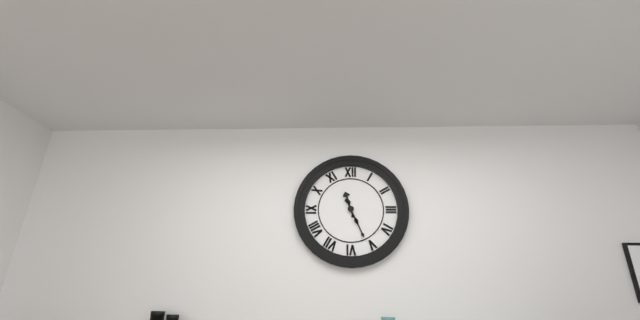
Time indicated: {"hour": 11, "minute": 26}
